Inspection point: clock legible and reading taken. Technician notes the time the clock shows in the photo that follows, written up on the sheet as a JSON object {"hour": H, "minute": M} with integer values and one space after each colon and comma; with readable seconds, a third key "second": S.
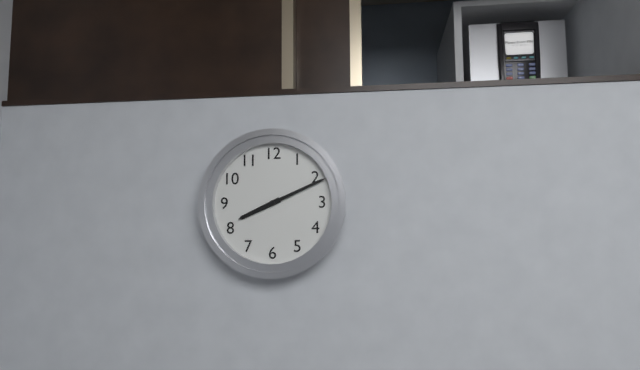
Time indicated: {"hour": 8, "minute": 11}
